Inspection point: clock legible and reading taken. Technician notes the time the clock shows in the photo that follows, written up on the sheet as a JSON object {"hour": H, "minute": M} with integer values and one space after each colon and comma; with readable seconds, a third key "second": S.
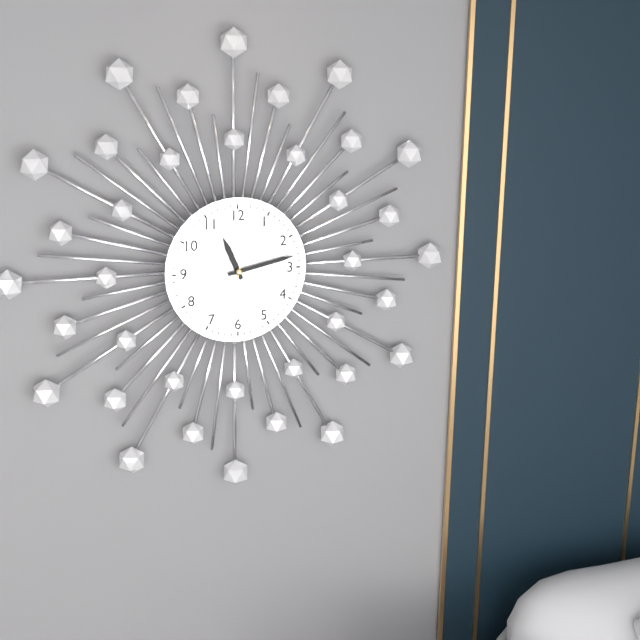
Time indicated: {"hour": 11, "minute": 13, "second": 32}
